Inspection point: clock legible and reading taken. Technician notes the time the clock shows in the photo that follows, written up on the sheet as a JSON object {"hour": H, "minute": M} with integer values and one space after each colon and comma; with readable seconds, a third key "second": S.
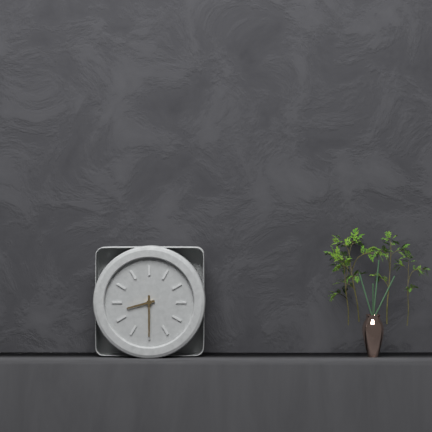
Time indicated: {"hour": 8, "minute": 30}
